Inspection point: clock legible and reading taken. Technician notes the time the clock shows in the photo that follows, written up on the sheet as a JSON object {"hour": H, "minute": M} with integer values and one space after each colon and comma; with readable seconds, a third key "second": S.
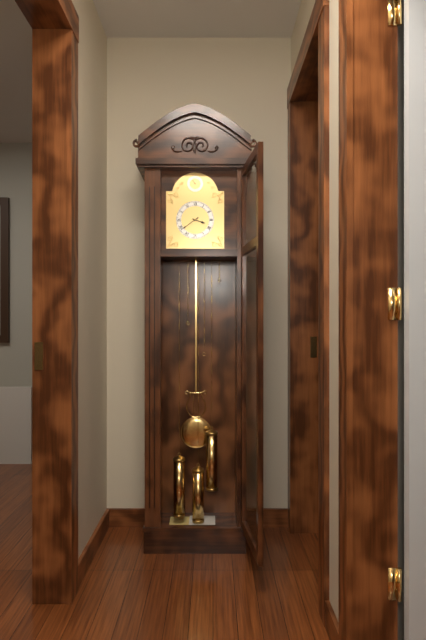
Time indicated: {"hour": 3, "minute": 39}
